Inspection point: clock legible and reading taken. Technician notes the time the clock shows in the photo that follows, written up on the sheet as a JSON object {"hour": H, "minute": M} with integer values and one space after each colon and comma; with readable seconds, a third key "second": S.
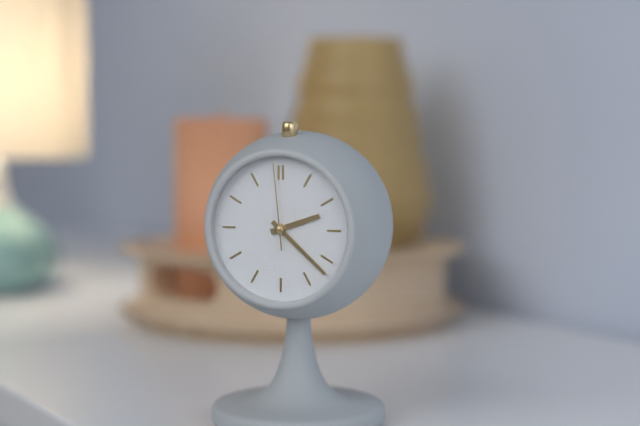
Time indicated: {"hour": 2, "minute": 22, "second": 59}
